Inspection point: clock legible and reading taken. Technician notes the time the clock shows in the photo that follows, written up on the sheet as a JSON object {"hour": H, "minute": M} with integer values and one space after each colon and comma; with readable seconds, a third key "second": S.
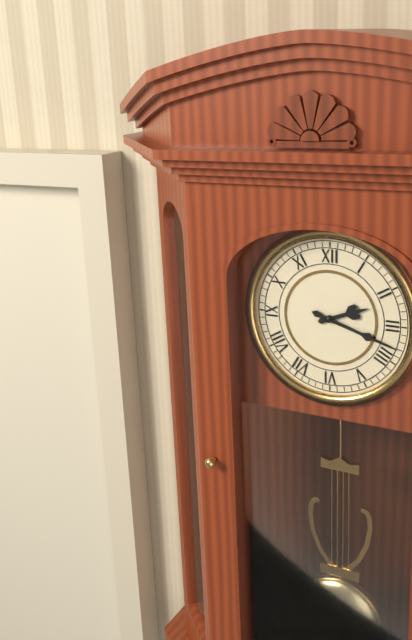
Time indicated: {"hour": 2, "minute": 18}
